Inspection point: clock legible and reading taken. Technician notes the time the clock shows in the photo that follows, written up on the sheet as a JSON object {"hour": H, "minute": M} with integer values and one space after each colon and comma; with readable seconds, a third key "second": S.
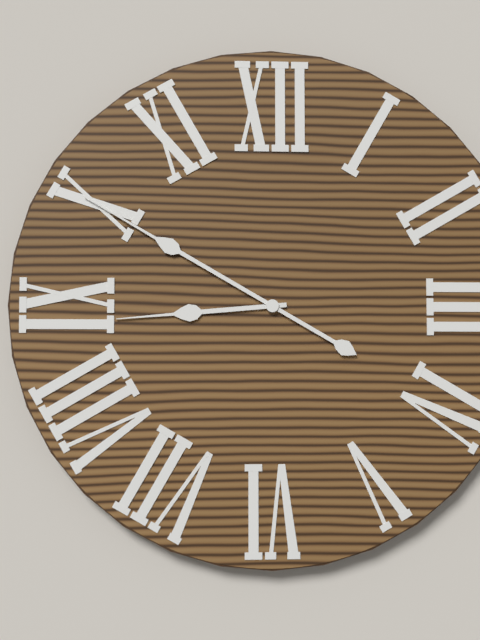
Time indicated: {"hour": 8, "minute": 50}
